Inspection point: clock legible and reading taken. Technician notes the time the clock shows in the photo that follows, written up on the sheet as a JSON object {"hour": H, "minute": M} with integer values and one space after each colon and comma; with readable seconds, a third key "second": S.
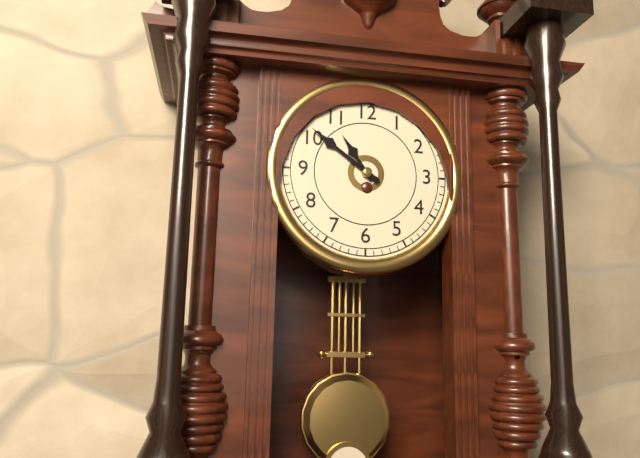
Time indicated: {"hour": 10, "minute": 51}
